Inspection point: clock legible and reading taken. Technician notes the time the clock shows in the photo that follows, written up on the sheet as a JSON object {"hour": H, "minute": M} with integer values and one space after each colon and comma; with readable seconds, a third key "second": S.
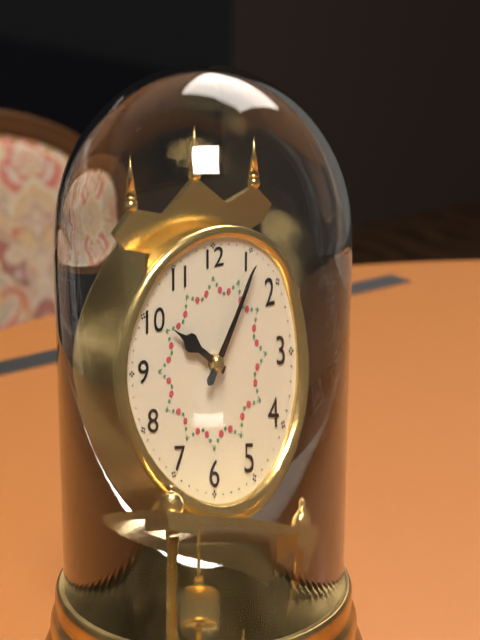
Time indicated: {"hour": 10, "minute": 6}
